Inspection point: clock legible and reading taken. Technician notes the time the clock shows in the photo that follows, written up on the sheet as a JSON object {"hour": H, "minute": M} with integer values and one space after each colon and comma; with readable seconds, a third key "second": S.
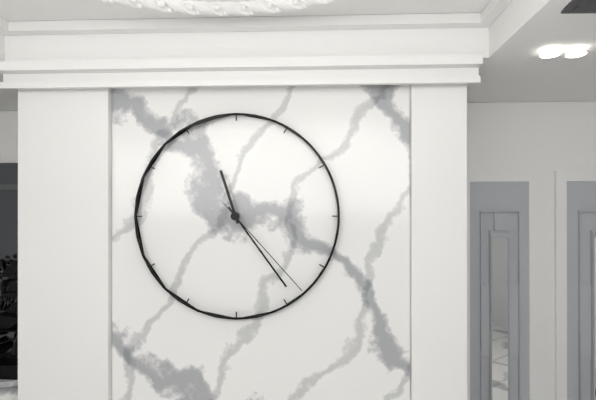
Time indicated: {"hour": 11, "minute": 24, "second": 23}
